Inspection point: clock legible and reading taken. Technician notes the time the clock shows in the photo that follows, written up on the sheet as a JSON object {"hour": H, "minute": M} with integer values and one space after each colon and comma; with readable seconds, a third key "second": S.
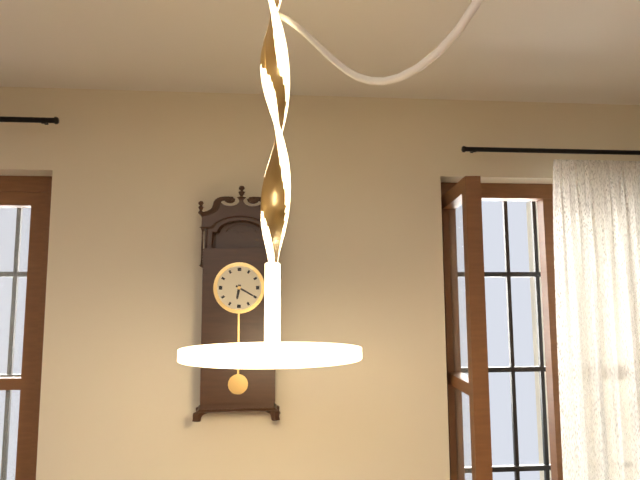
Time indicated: {"hour": 6, "minute": 20}
